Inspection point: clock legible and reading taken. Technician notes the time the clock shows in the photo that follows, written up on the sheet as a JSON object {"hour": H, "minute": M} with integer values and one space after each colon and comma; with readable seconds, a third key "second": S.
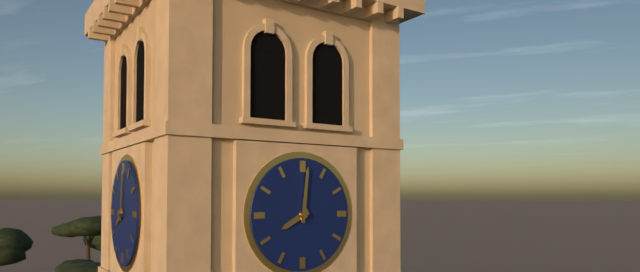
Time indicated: {"hour": 8, "minute": 1}
